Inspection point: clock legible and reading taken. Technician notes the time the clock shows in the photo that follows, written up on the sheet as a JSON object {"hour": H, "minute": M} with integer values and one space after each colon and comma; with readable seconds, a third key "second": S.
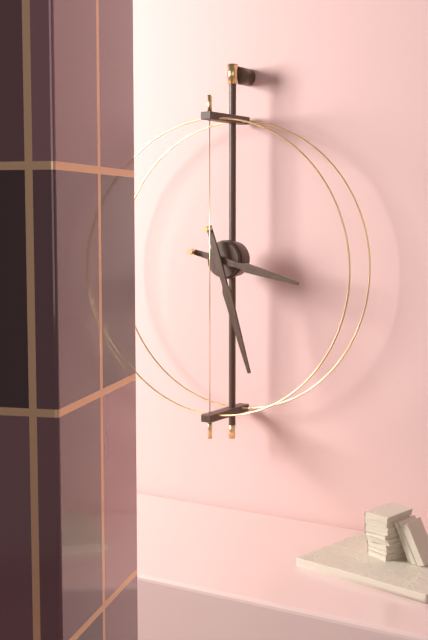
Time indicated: {"hour": 3, "minute": 27}
